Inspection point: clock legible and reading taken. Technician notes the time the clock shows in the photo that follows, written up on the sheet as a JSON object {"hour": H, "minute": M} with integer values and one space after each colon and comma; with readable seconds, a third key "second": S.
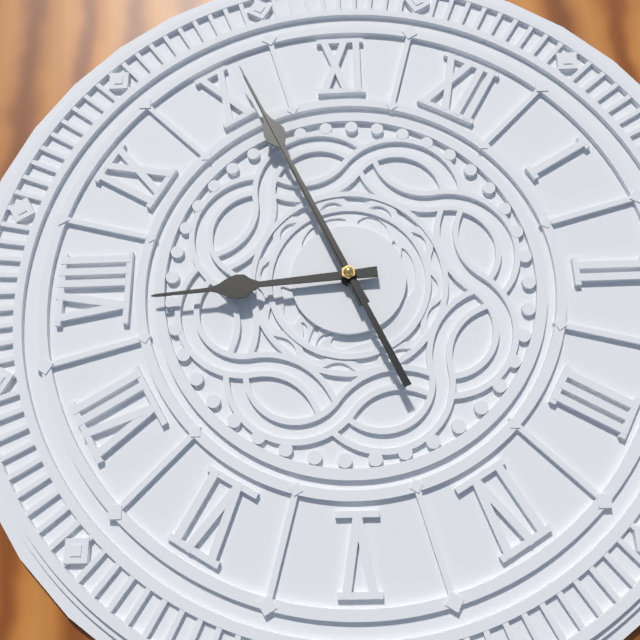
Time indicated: {"hour": 7, "minute": 51, "second": 51}
